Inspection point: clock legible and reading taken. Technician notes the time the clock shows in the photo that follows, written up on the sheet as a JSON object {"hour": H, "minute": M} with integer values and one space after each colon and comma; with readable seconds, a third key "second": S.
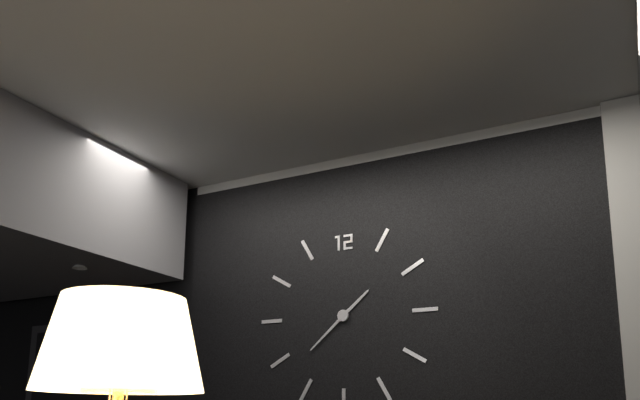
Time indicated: {"hour": 1, "minute": 38}
